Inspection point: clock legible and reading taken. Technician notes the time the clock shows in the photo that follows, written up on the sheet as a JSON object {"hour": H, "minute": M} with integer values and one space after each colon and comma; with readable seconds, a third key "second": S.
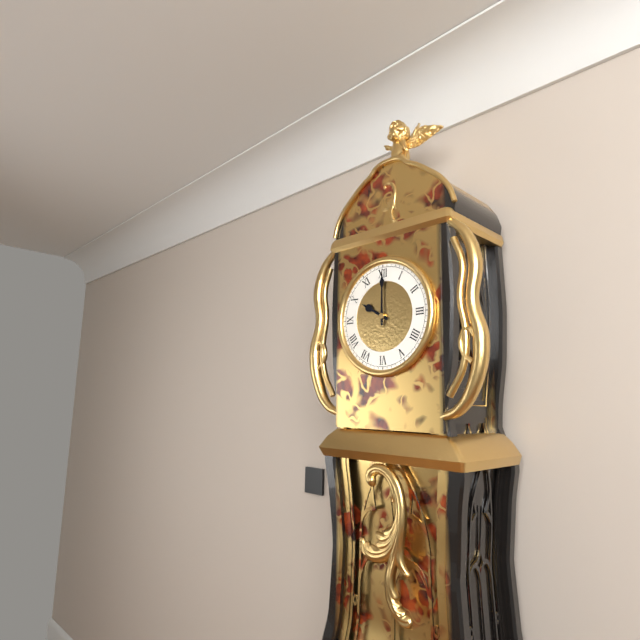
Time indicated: {"hour": 10, "minute": 0}
